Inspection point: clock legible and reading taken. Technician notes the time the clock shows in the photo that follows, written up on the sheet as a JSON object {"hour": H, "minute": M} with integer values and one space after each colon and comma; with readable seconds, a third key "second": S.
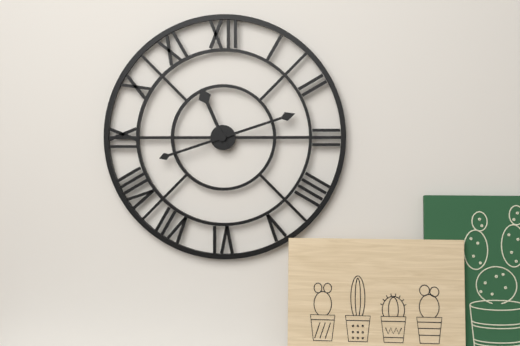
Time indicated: {"hour": 11, "minute": 12}
